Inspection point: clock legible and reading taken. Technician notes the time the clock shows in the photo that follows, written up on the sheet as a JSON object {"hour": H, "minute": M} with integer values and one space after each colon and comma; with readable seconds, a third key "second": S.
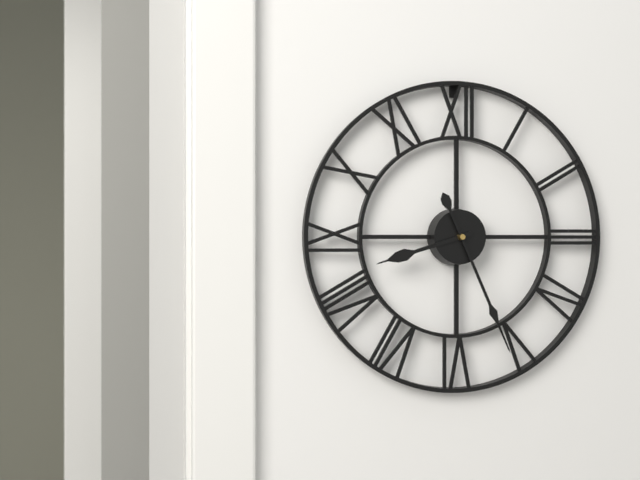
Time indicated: {"hour": 8, "minute": 26}
